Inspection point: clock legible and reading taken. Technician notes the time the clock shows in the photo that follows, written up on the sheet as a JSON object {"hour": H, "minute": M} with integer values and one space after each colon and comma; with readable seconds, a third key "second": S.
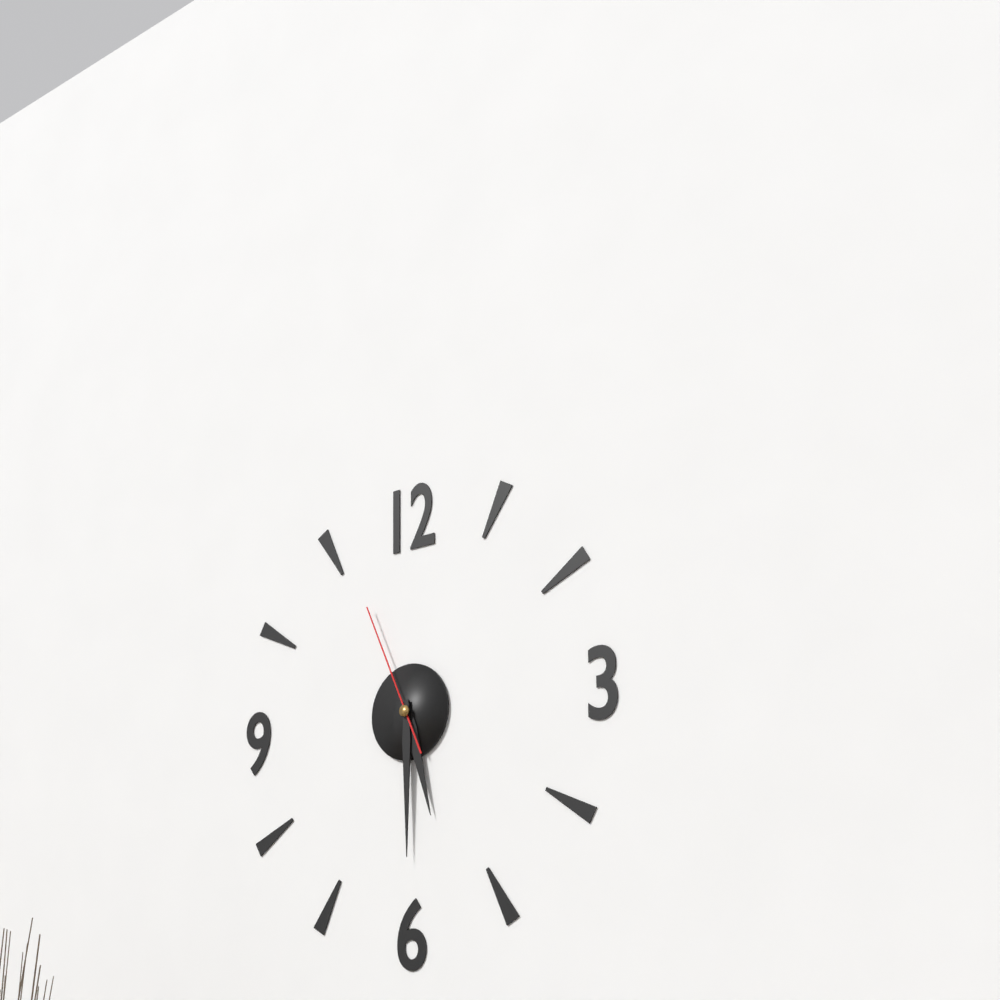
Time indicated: {"hour": 5, "minute": 30, "second": 56}
